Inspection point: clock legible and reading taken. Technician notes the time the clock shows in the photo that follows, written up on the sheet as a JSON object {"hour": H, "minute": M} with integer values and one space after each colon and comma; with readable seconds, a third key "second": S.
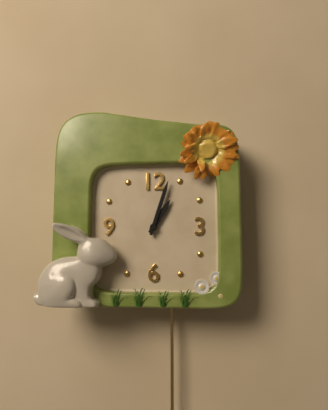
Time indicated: {"hour": 1, "minute": 3}
